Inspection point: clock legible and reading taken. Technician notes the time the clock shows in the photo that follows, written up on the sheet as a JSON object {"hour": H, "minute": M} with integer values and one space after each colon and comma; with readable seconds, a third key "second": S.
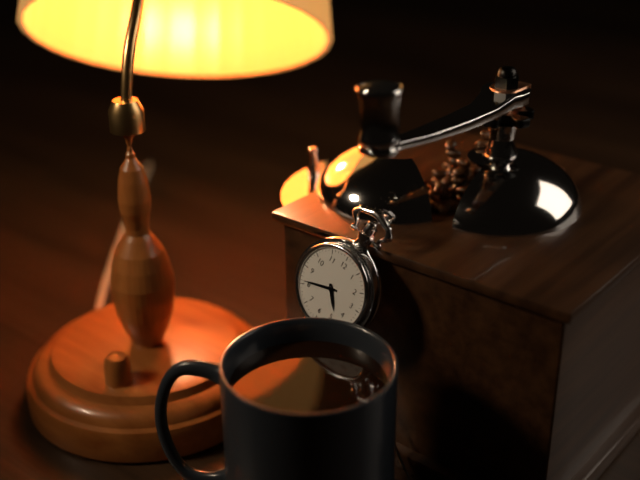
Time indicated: {"hour": 4, "minute": 41}
